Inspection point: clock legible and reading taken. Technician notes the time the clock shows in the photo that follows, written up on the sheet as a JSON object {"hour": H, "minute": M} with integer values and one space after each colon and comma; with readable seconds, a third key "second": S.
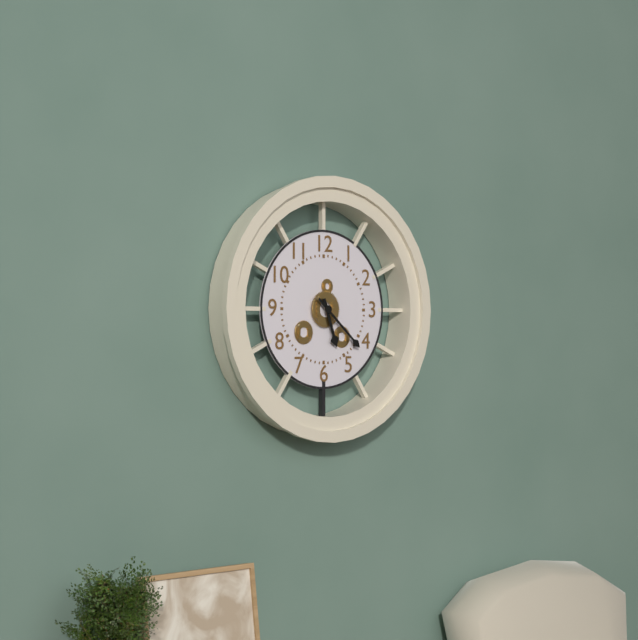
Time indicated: {"hour": 5, "minute": 22}
